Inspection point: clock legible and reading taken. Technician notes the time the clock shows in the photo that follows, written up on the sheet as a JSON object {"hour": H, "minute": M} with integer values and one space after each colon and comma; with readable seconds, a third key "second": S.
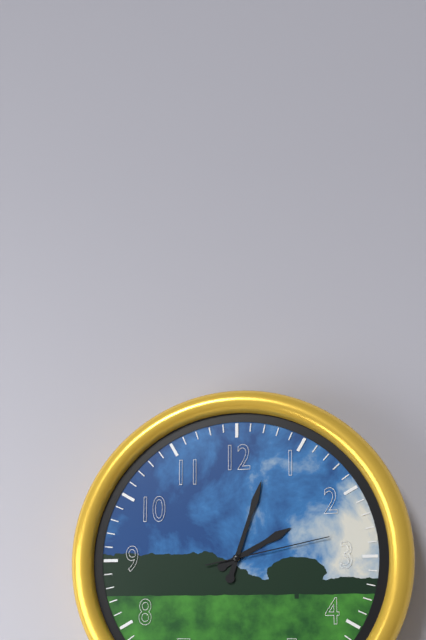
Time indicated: {"hour": 2, "minute": 3, "second": 13}
